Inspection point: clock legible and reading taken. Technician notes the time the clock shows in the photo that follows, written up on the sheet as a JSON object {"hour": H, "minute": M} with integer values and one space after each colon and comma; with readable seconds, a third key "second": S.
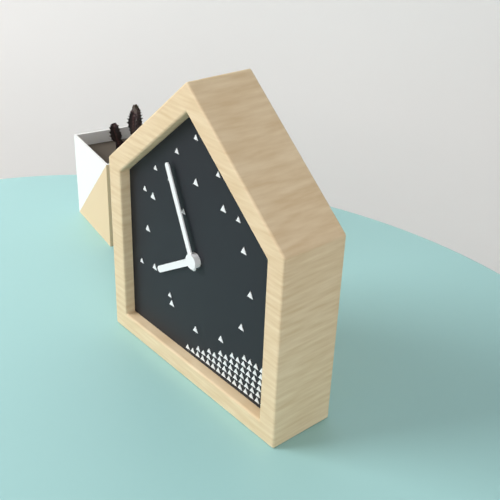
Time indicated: {"hour": 7, "minute": 56}
